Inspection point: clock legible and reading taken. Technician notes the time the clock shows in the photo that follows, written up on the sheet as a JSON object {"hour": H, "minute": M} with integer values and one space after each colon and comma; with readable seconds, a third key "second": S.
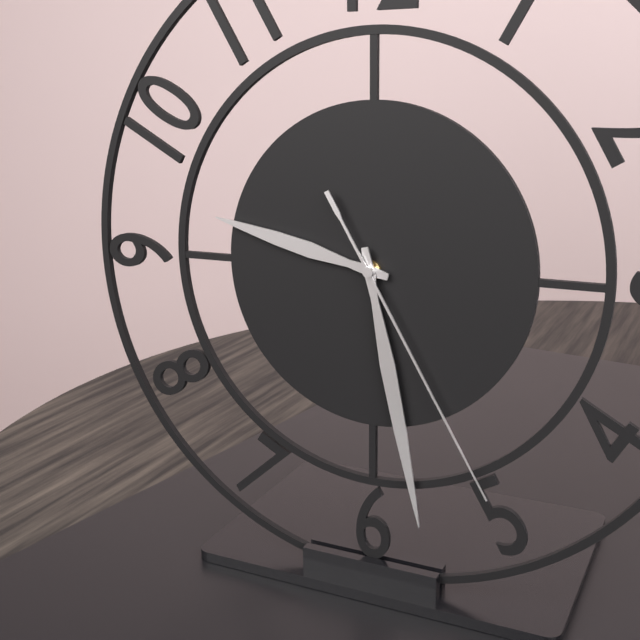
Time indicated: {"hour": 9, "minute": 28, "second": 25}
